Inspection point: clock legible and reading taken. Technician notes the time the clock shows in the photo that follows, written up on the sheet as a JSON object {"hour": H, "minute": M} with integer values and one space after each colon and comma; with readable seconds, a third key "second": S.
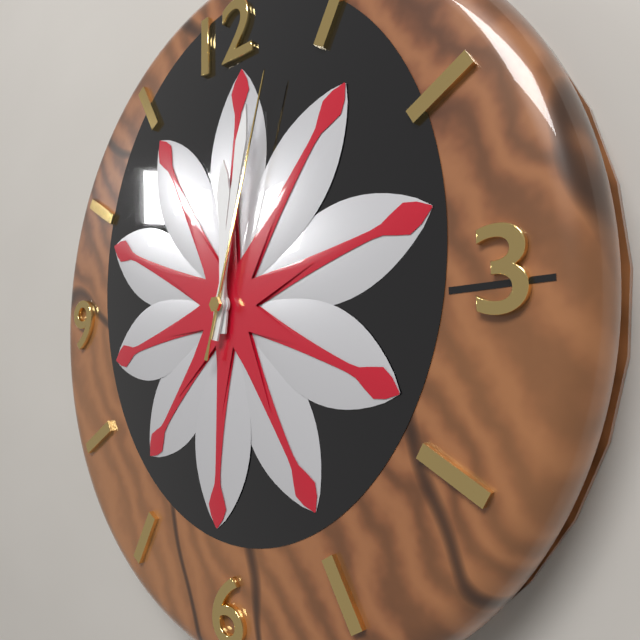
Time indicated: {"hour": 12, "minute": 2, "second": 3}
